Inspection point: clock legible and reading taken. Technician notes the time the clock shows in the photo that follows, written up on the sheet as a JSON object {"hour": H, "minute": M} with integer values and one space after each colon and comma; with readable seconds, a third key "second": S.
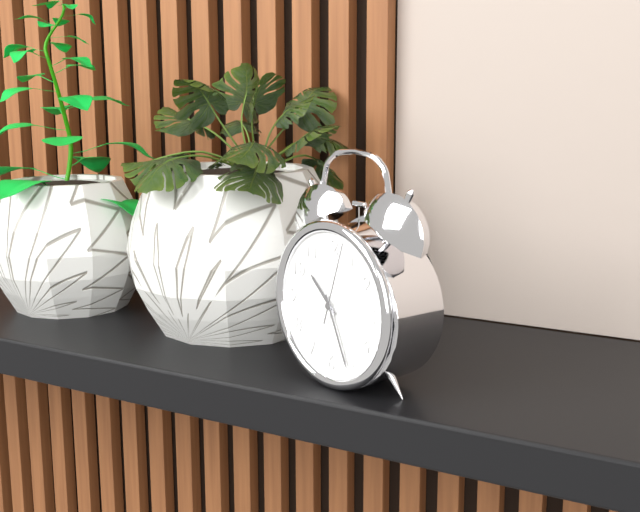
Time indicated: {"hour": 10, "minute": 26, "second": 3}
